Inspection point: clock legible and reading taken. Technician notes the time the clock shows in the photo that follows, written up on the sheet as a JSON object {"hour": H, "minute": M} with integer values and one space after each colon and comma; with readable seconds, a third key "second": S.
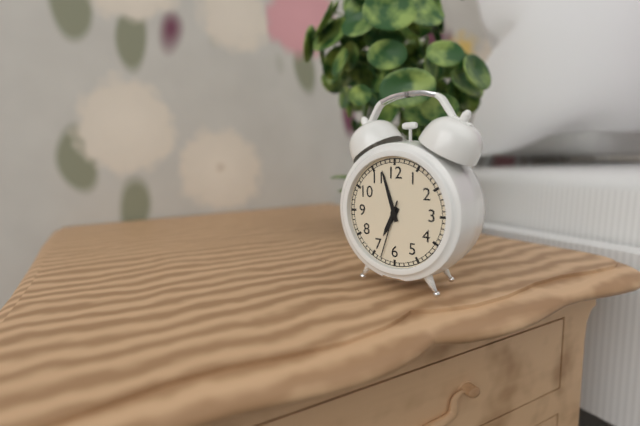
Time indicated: {"hour": 6, "minute": 57, "second": 33}
